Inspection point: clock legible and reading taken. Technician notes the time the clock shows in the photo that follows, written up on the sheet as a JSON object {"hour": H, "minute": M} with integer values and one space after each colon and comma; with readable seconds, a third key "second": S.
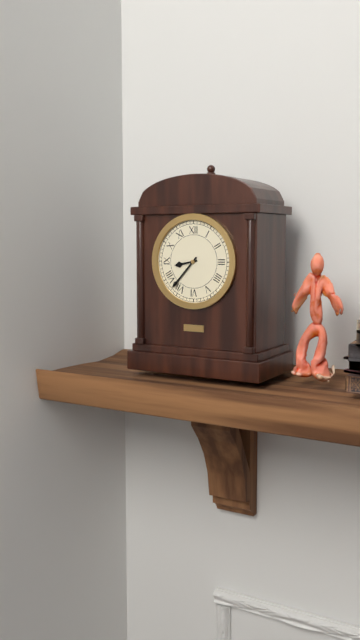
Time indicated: {"hour": 8, "minute": 37}
